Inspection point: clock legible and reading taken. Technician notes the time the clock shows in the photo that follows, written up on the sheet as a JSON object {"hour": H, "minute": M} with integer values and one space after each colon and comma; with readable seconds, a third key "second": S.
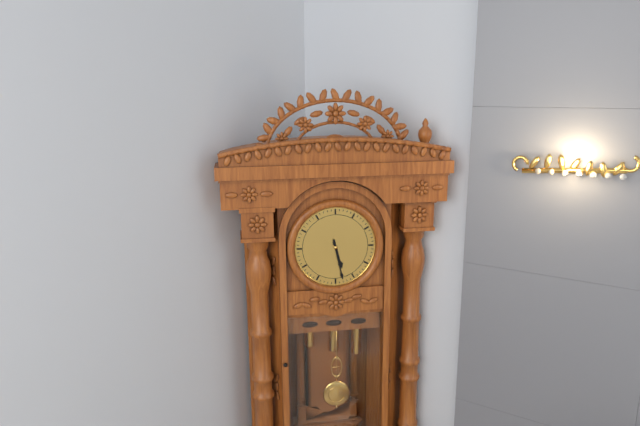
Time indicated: {"hour": 5, "minute": 28}
